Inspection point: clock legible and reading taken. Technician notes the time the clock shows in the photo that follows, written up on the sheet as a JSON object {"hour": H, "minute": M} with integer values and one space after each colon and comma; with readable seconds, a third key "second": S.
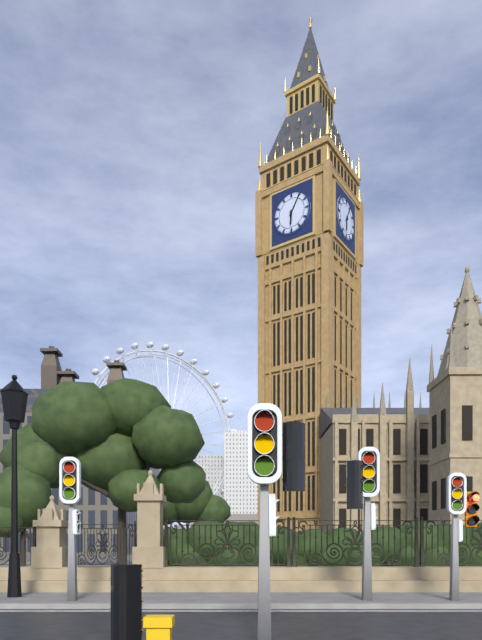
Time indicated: {"hour": 6, "minute": 5}
